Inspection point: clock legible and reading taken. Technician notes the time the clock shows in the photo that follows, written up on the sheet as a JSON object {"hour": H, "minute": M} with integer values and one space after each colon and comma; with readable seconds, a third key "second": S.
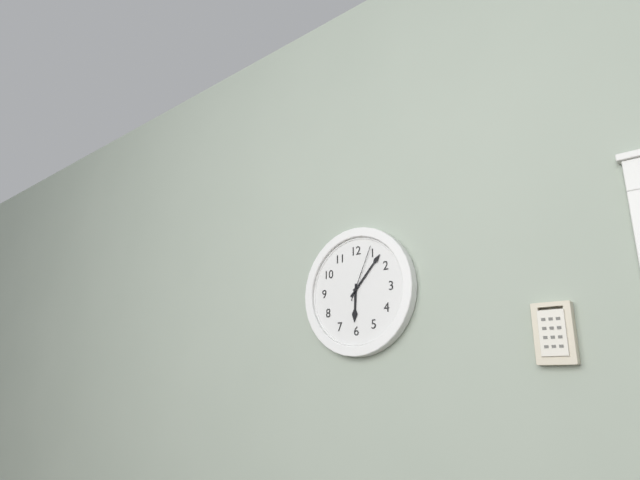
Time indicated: {"hour": 6, "minute": 7, "second": 4}
